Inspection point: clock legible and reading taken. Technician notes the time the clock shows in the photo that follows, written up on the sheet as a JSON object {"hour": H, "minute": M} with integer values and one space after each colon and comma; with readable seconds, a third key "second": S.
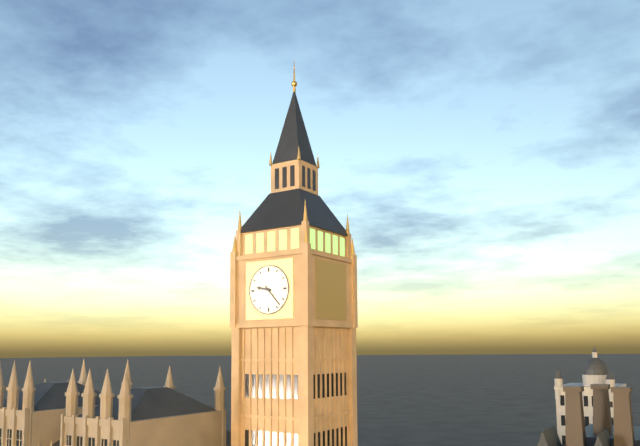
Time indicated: {"hour": 9, "minute": 23}
